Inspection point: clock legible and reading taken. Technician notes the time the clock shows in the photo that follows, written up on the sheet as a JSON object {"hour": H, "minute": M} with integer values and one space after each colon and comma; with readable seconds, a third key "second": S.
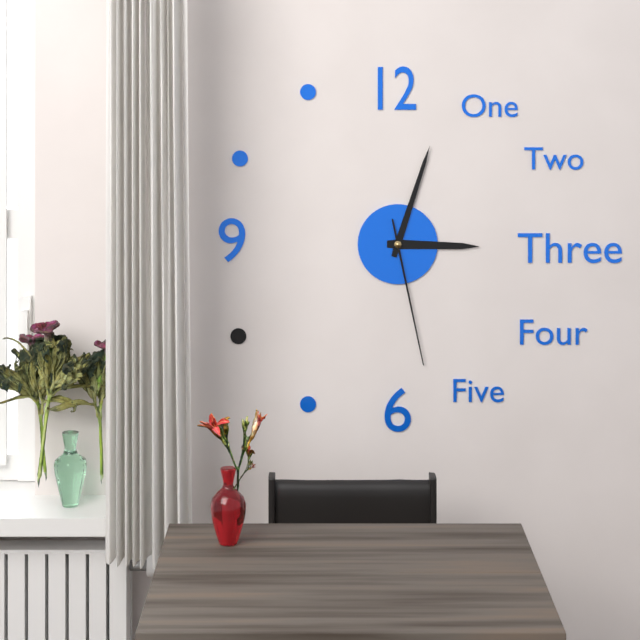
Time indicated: {"hour": 3, "minute": 3, "second": 28}
